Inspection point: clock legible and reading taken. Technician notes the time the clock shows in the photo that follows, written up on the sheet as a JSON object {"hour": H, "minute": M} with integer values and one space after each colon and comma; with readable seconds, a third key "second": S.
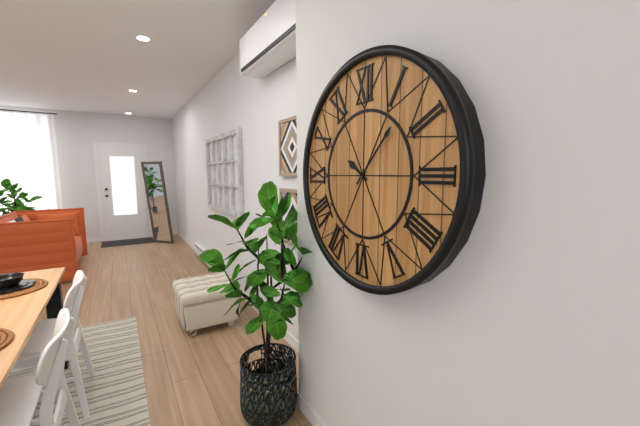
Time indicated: {"hour": 10, "minute": 7}
